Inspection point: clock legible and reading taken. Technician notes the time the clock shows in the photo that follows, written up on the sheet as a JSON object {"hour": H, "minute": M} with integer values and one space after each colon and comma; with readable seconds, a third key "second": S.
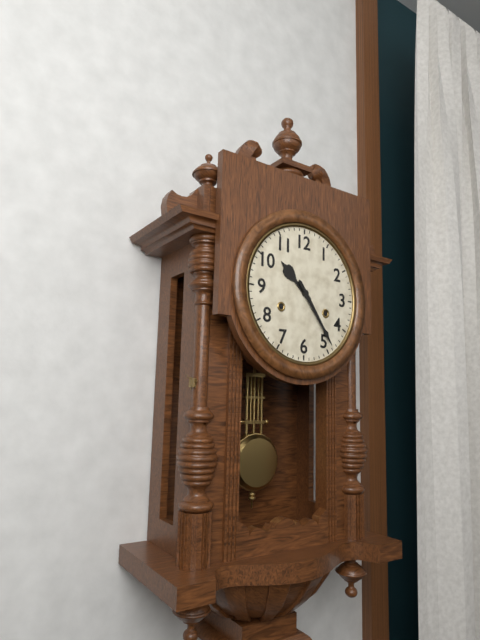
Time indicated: {"hour": 10, "minute": 24}
